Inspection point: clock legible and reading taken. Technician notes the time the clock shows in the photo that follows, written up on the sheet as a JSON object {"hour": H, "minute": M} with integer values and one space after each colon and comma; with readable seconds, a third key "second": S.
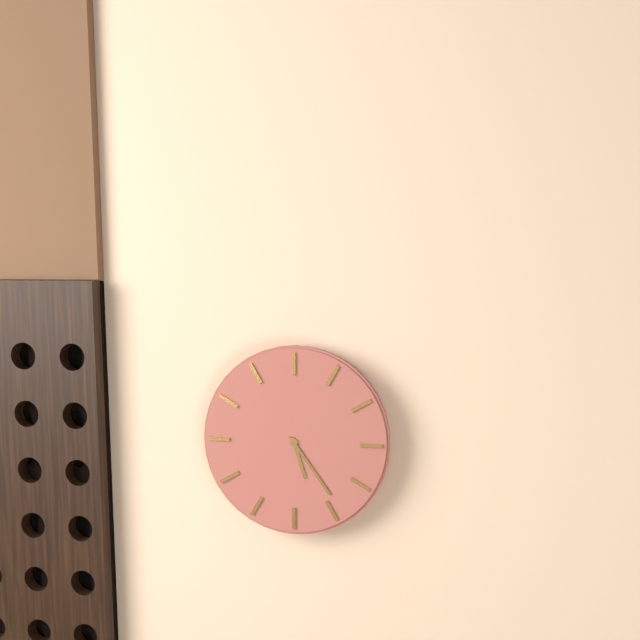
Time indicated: {"hour": 5, "minute": 24}
